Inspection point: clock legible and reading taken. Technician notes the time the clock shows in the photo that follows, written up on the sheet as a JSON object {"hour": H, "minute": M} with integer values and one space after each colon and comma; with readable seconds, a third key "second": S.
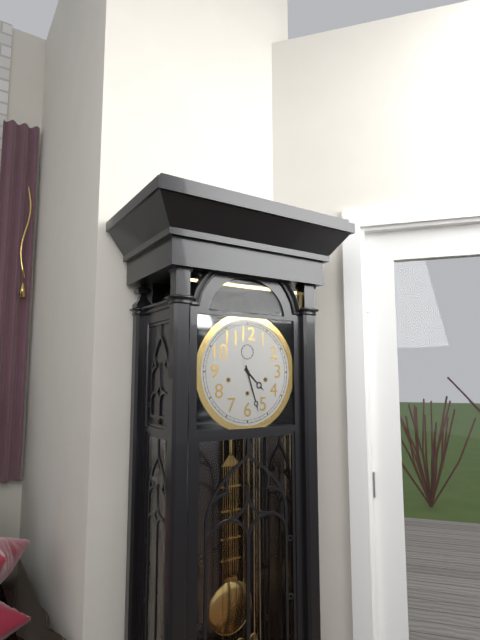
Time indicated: {"hour": 4, "minute": 27}
